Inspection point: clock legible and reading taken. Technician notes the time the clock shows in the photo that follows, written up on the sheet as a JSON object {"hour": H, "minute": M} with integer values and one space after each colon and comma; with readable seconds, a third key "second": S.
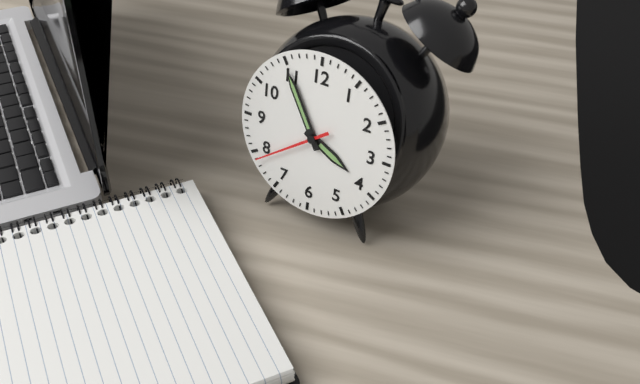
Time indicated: {"hour": 3, "minute": 55, "second": 39}
